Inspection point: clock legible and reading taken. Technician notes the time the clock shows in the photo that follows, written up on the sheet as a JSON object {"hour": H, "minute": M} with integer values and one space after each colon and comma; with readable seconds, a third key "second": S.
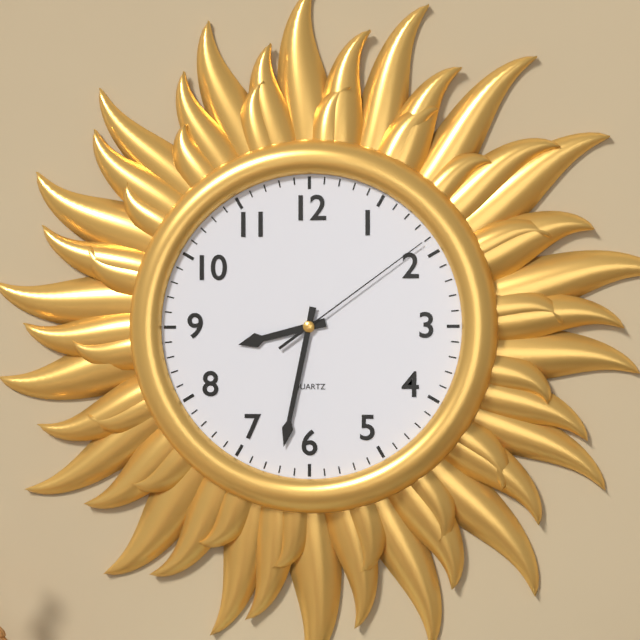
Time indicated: {"hour": 8, "minute": 32, "second": 9}
